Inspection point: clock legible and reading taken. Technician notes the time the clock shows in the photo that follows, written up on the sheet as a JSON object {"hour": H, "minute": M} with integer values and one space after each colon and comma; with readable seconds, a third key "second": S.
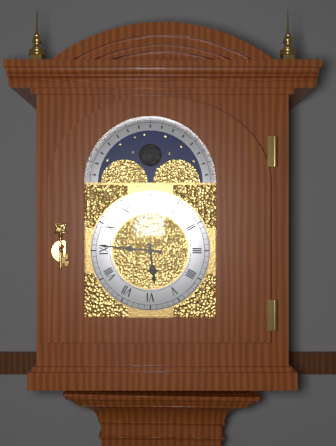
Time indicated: {"hour": 5, "minute": 46}
